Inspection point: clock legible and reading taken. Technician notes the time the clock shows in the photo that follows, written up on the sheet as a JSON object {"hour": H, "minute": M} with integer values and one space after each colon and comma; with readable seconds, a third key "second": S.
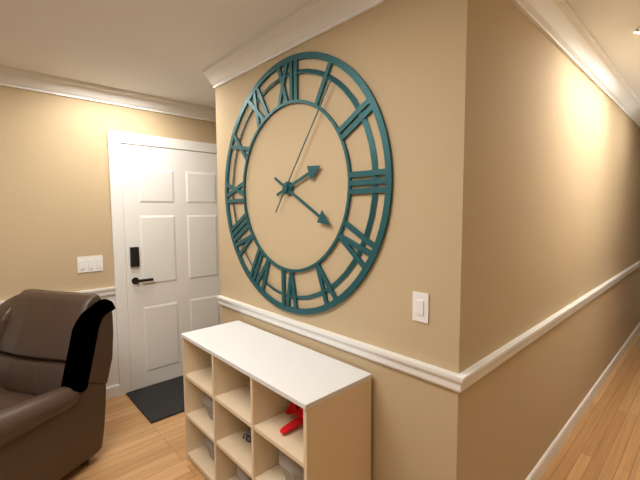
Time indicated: {"hour": 2, "minute": 20, "second": 6}
